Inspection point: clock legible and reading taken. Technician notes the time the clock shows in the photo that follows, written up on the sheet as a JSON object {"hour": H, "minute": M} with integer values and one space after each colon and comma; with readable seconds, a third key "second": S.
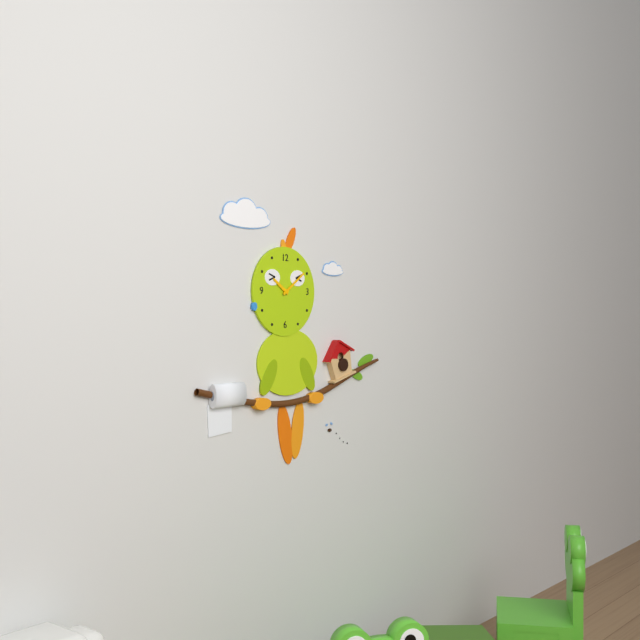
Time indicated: {"hour": 10, "minute": 9}
